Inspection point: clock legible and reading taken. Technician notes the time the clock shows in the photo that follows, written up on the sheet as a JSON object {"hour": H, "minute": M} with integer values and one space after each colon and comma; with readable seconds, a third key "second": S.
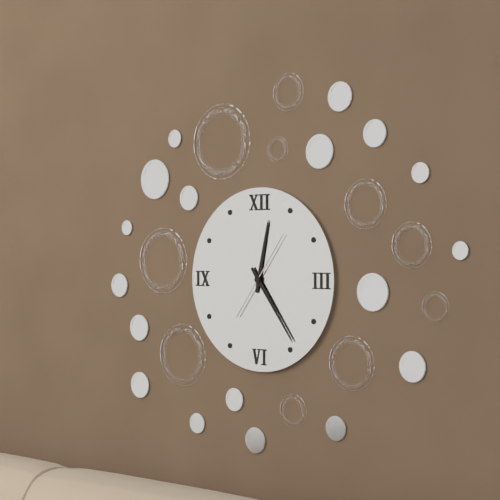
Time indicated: {"hour": 12, "minute": 24, "second": 6}
